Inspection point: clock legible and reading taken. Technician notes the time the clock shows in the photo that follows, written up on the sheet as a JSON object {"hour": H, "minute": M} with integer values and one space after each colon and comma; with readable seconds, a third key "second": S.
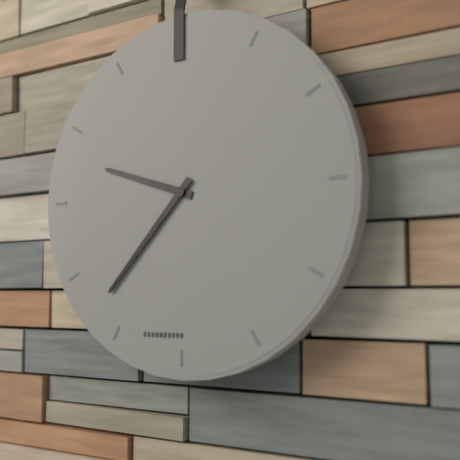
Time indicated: {"hour": 9, "minute": 37}
